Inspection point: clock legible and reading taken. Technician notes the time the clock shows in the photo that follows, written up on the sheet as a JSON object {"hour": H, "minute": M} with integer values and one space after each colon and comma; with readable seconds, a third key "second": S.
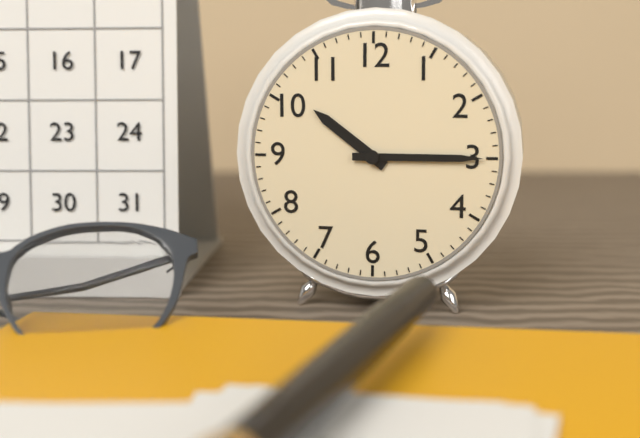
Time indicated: {"hour": 10, "minute": 15}
